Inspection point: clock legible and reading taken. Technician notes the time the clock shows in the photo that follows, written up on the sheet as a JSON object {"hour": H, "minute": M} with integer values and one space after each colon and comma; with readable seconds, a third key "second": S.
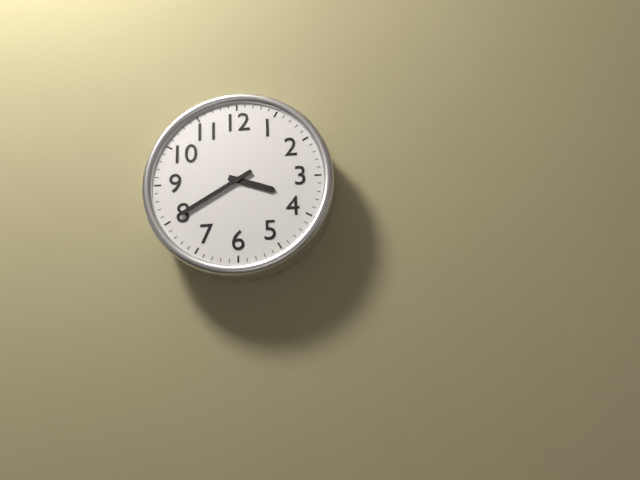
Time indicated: {"hour": 3, "minute": 40}
